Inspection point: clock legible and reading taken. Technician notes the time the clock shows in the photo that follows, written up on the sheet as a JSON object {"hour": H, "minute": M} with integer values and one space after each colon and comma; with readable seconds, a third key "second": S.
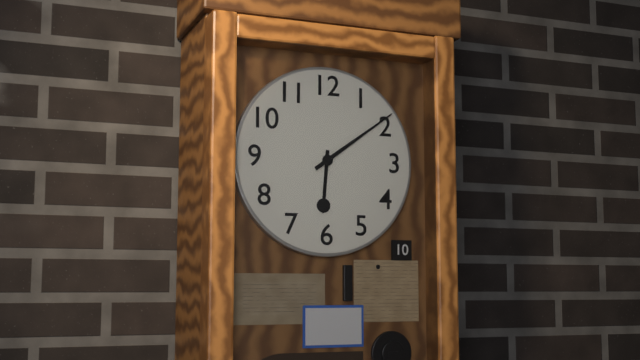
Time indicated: {"hour": 6, "minute": 9}
